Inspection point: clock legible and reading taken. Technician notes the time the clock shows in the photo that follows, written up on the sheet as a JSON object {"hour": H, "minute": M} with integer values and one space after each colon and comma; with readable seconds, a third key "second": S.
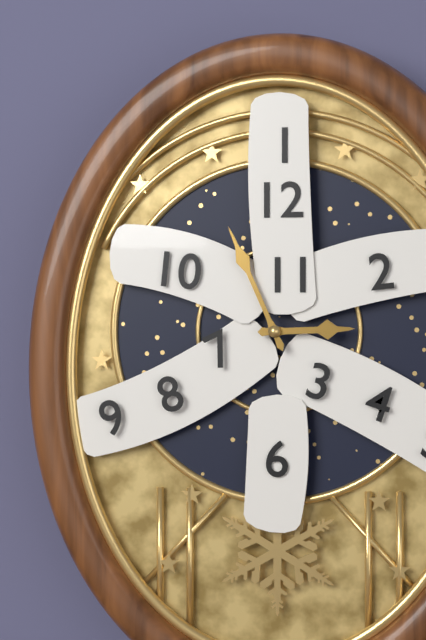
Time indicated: {"hour": 2, "minute": 56}
